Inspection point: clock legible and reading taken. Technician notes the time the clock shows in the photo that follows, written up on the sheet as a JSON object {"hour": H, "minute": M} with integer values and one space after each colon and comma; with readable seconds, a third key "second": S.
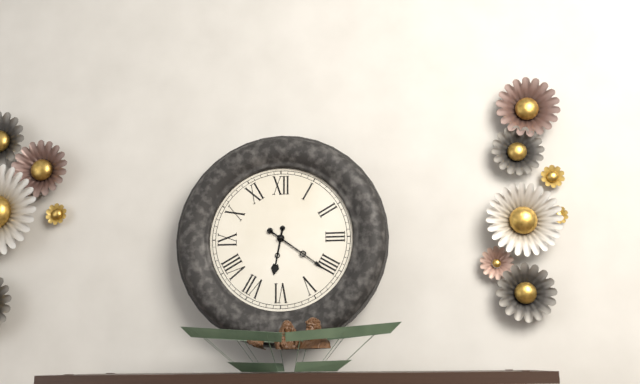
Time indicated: {"hour": 6, "minute": 21}
